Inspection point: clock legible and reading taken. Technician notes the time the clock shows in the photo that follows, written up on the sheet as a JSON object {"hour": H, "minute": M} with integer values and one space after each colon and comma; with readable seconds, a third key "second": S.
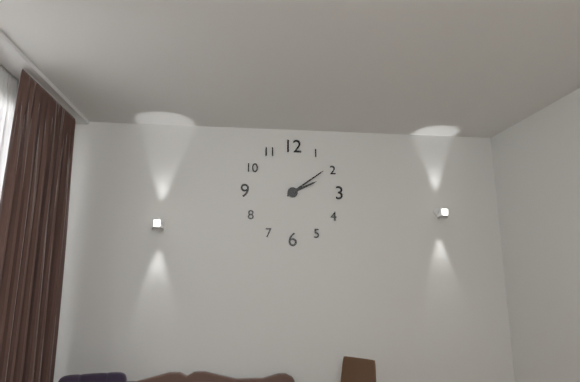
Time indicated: {"hour": 2, "minute": 9}
